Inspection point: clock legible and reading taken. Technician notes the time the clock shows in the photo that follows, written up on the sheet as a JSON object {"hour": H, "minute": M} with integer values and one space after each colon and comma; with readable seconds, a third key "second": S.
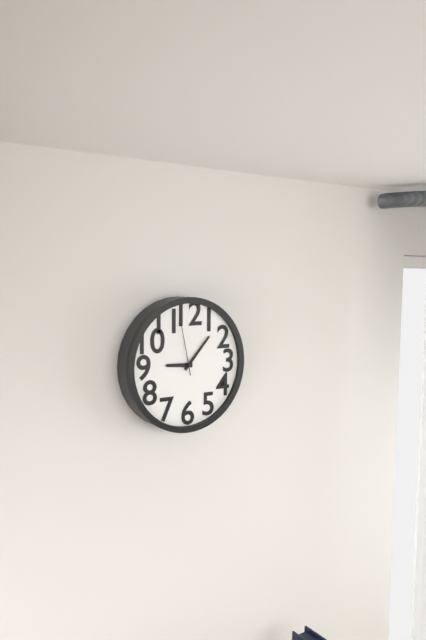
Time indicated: {"hour": 9, "minute": 7}
